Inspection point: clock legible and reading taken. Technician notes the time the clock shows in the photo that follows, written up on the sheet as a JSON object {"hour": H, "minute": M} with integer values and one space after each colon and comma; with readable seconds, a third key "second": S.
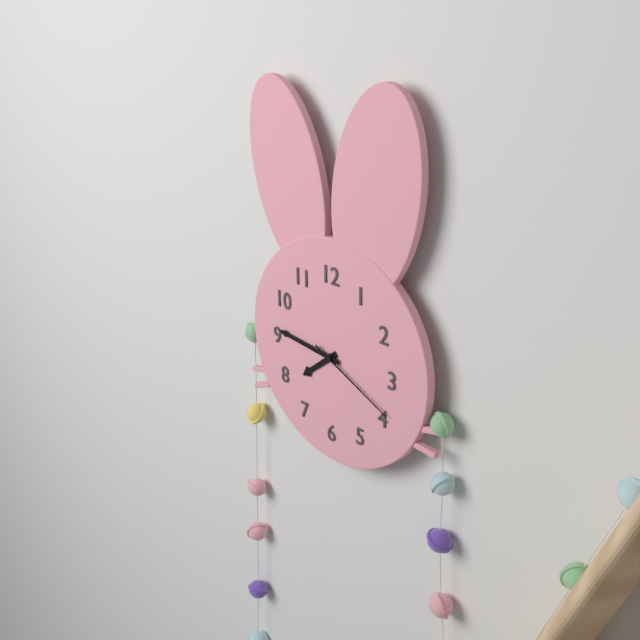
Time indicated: {"hour": 7, "minute": 46, "second": 19}
